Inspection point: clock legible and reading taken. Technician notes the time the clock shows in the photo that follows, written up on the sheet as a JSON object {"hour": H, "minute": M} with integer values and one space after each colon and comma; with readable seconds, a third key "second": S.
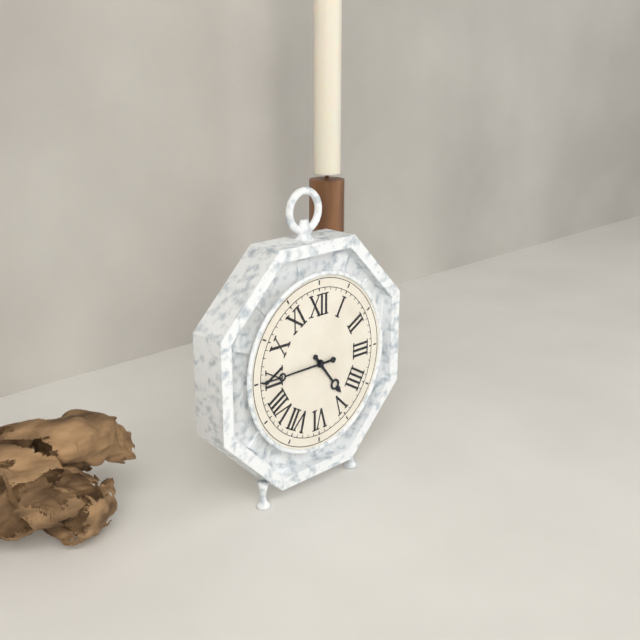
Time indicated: {"hour": 4, "minute": 45}
